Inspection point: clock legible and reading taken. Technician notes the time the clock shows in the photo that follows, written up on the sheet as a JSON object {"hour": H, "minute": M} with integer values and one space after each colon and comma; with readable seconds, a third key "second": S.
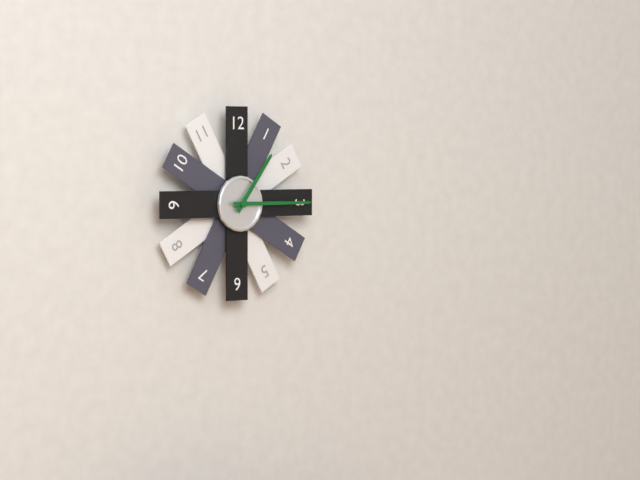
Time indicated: {"hour": 1, "minute": 15}
